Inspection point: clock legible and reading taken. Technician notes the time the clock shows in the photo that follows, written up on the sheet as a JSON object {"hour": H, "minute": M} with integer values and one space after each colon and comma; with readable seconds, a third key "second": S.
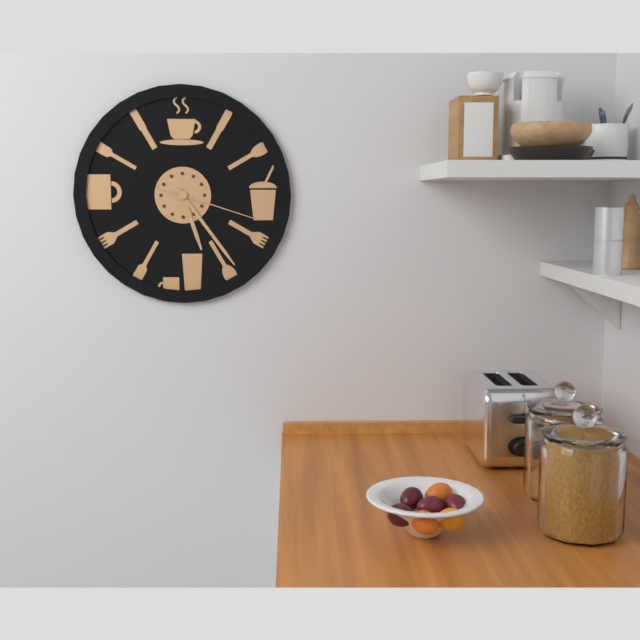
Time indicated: {"hour": 5, "minute": 24, "second": 18}
